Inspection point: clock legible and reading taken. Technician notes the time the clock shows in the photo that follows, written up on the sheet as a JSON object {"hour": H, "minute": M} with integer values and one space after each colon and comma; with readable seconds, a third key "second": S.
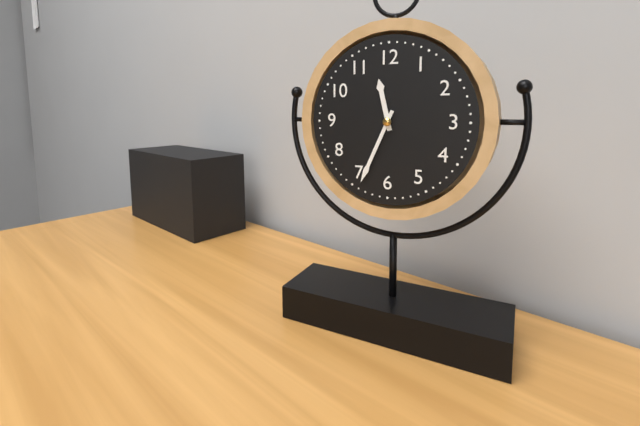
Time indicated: {"hour": 11, "minute": 34}
